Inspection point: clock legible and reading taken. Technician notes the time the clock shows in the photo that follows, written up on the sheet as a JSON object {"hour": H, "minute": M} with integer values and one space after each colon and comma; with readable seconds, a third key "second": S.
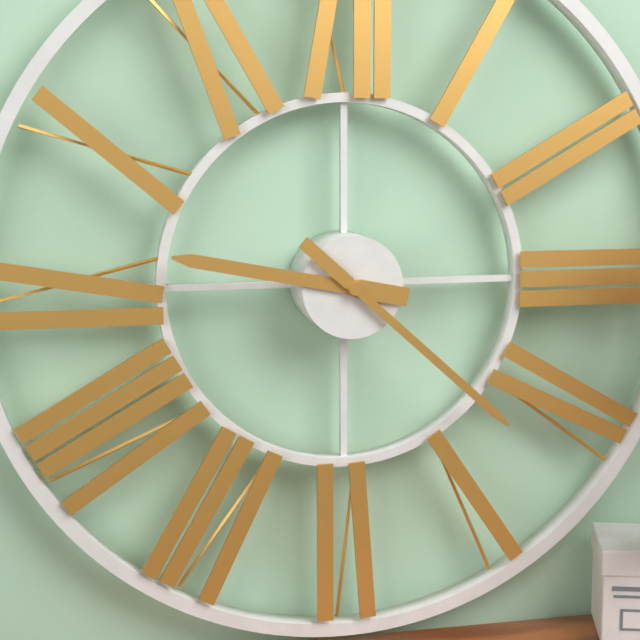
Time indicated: {"hour": 9, "minute": 22}
